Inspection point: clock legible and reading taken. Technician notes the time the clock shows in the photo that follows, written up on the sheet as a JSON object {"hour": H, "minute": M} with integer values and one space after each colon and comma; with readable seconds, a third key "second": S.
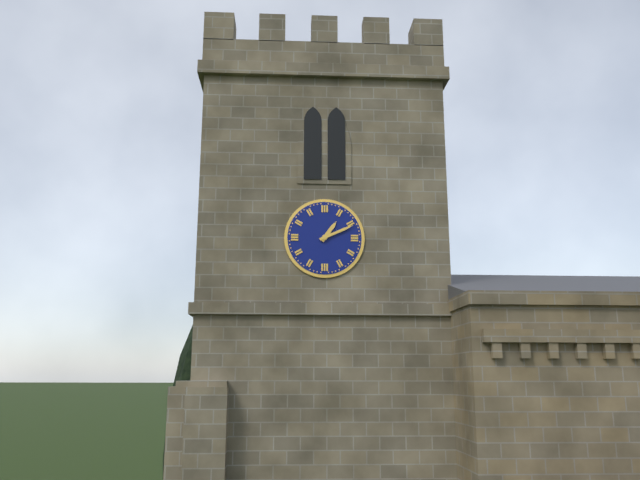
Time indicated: {"hour": 1, "minute": 11}
